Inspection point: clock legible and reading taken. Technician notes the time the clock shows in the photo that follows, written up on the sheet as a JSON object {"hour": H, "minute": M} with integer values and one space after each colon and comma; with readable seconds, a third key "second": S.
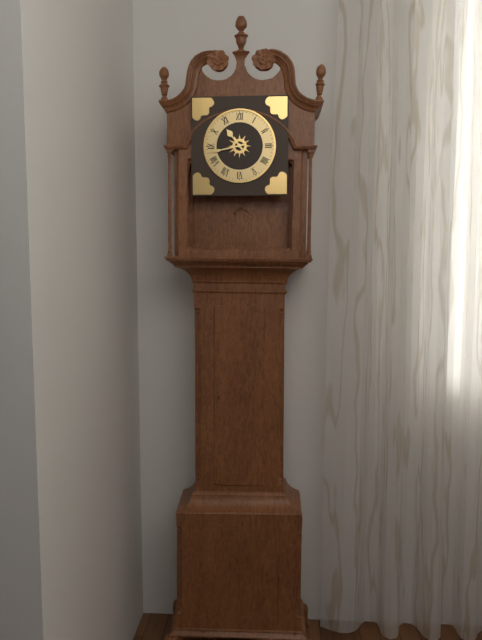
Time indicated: {"hour": 10, "minute": 43}
